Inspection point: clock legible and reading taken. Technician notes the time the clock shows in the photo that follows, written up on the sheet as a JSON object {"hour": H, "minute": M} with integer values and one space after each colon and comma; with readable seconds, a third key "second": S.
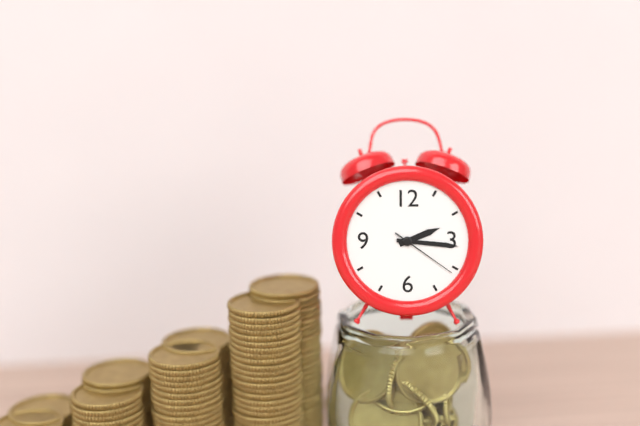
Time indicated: {"hour": 2, "minute": 16, "second": 21}
